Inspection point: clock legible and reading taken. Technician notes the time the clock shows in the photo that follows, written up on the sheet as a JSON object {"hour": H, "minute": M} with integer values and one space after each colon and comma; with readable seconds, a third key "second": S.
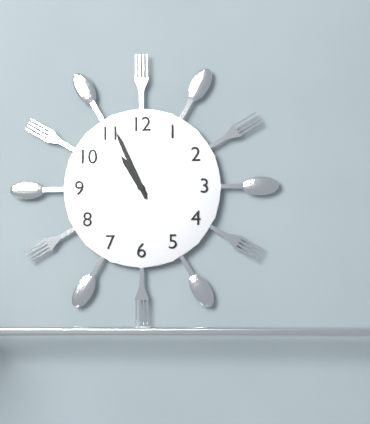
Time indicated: {"hour": 10, "minute": 56}
